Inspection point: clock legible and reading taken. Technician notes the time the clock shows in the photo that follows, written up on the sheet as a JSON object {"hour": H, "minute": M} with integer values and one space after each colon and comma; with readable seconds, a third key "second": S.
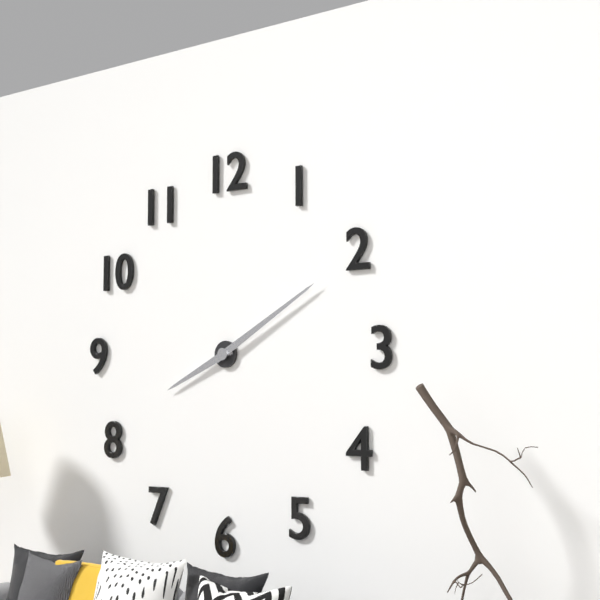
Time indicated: {"hour": 8, "minute": 10}
